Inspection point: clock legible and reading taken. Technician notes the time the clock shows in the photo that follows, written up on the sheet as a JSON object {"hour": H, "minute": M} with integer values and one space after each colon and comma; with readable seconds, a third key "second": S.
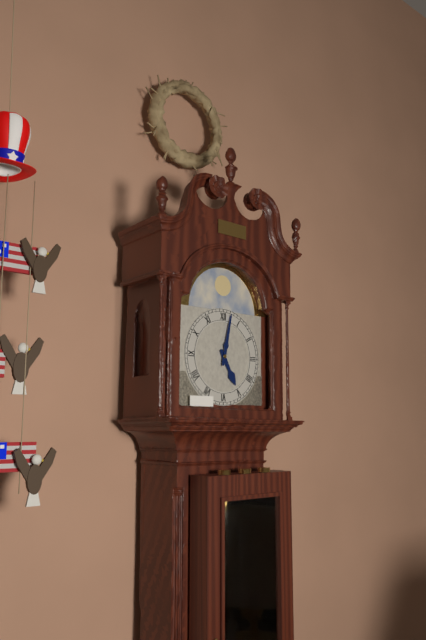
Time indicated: {"hour": 5, "minute": 2}
